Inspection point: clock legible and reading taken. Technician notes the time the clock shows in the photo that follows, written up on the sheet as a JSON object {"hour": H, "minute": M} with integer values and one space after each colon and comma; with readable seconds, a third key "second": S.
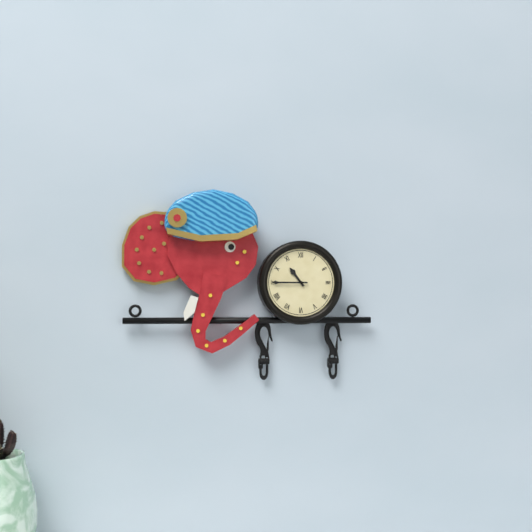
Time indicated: {"hour": 10, "minute": 45}
